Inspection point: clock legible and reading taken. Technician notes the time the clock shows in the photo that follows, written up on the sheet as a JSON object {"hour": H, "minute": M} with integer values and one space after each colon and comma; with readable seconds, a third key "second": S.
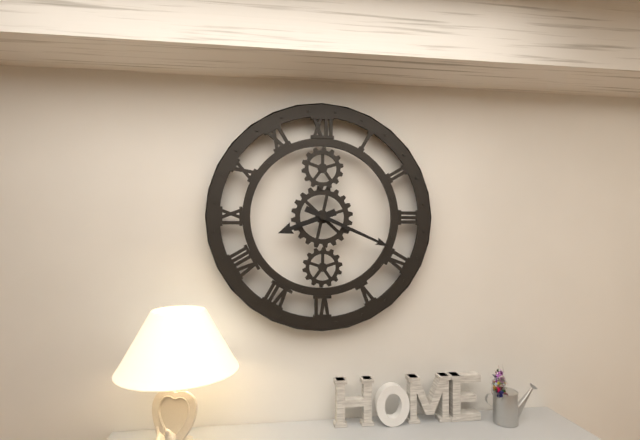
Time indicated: {"hour": 8, "minute": 19}
